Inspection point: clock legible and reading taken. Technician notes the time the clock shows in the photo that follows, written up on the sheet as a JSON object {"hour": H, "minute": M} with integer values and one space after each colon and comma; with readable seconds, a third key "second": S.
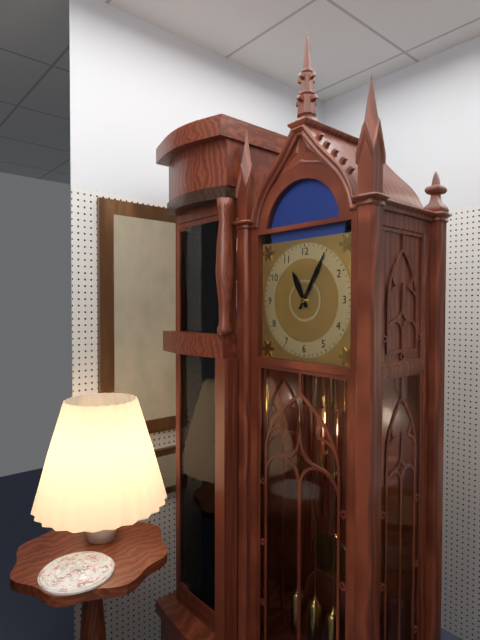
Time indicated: {"hour": 11, "minute": 5}
